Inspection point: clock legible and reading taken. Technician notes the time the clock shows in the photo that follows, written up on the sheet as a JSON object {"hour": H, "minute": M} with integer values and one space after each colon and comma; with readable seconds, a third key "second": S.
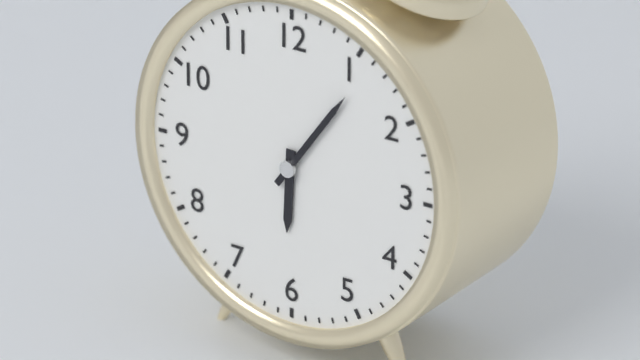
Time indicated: {"hour": 6, "minute": 6}
